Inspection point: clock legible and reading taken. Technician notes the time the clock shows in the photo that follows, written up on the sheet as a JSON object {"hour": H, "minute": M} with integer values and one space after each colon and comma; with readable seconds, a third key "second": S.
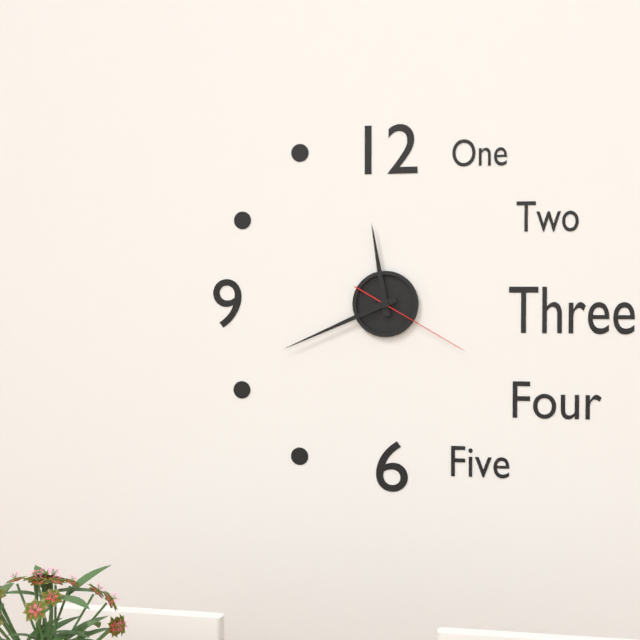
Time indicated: {"hour": 11, "minute": 41, "second": 20}
